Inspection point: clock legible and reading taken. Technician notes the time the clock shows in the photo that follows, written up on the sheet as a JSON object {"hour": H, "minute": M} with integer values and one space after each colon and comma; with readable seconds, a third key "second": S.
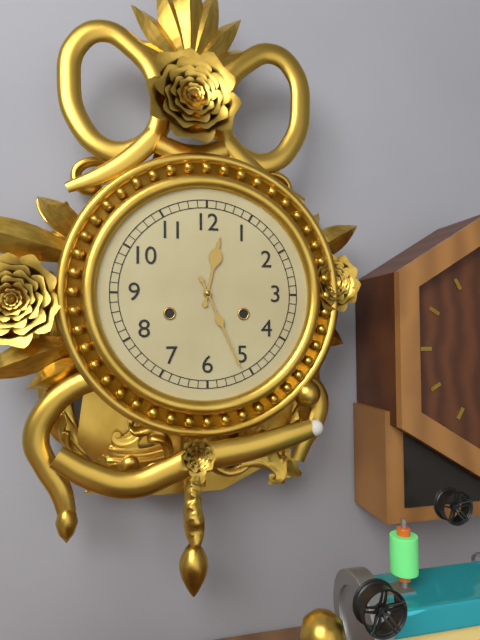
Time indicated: {"hour": 12, "minute": 26}
